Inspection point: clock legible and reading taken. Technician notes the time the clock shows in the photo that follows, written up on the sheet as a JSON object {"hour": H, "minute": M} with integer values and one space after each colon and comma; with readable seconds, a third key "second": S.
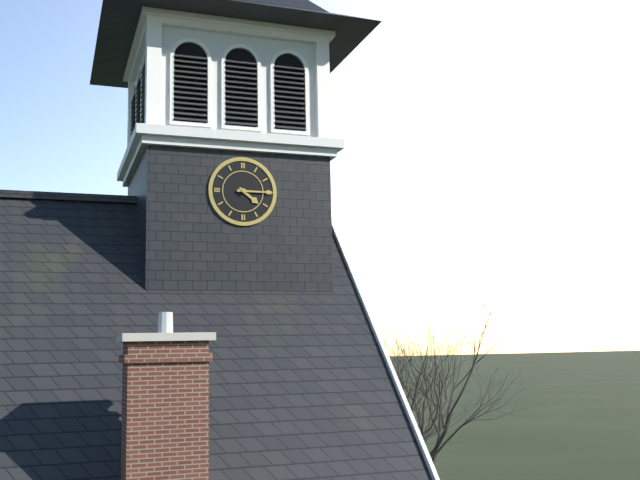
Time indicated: {"hour": 4, "minute": 15}
